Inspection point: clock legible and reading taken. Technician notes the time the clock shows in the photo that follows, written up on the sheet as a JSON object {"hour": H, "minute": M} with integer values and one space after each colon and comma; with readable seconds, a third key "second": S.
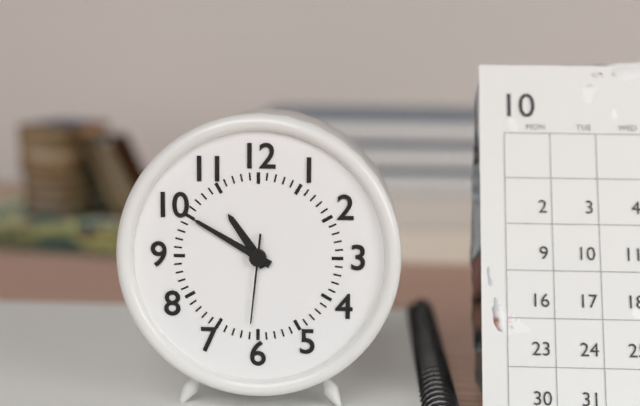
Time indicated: {"hour": 10, "minute": 50, "second": 31}
